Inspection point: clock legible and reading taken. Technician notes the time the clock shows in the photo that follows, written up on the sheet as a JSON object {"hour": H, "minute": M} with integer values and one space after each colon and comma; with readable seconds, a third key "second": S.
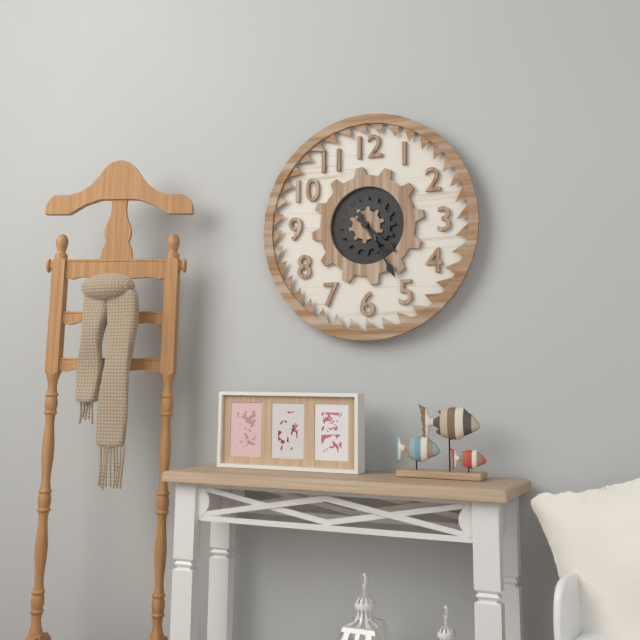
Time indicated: {"hour": 4, "minute": 25}
